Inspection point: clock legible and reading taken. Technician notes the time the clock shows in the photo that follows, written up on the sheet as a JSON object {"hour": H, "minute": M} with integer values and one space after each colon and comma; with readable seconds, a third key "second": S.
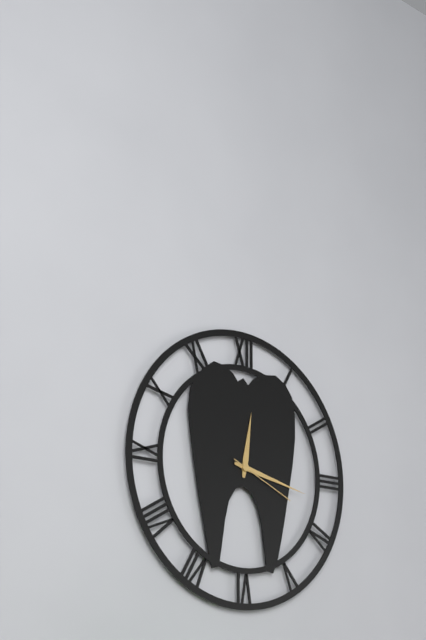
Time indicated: {"hour": 12, "minute": 17, "second": 19}
